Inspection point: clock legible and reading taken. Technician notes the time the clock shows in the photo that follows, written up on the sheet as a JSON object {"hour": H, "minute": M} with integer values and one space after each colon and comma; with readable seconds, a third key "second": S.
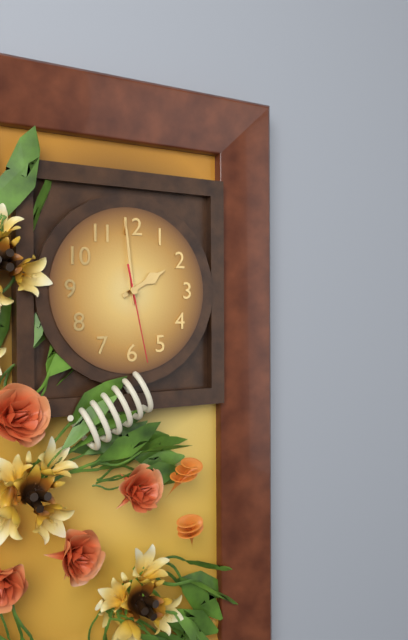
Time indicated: {"hour": 1, "minute": 59, "second": 28}
